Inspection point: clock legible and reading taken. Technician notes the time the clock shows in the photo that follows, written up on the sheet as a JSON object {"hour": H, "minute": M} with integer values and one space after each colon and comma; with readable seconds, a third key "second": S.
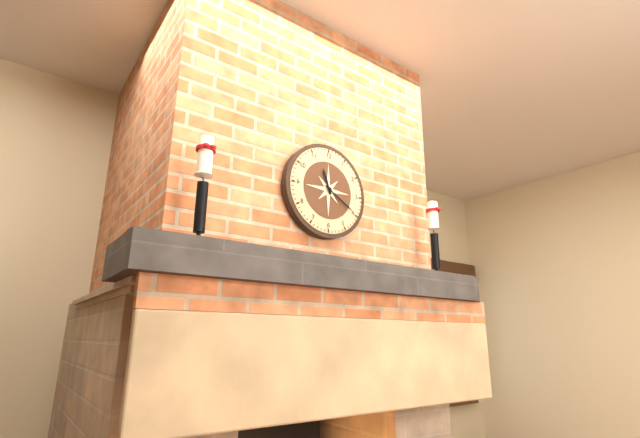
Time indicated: {"hour": 11, "minute": 20}
